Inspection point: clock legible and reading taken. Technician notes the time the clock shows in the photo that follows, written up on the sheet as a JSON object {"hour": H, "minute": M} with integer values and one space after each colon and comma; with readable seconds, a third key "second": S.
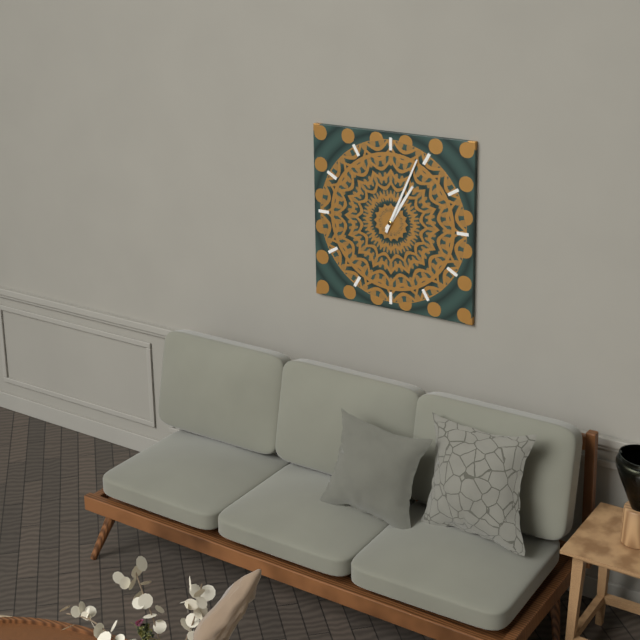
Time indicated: {"hour": 1, "minute": 4}
